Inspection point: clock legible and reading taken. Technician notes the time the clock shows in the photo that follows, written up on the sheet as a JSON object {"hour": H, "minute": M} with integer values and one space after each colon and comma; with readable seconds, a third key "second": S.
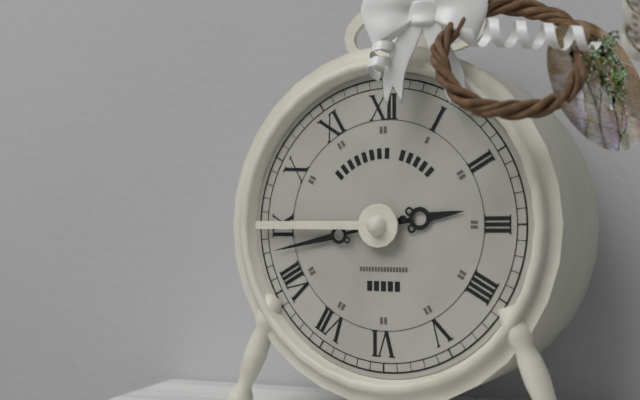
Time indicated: {"hour": 2, "minute": 43}
